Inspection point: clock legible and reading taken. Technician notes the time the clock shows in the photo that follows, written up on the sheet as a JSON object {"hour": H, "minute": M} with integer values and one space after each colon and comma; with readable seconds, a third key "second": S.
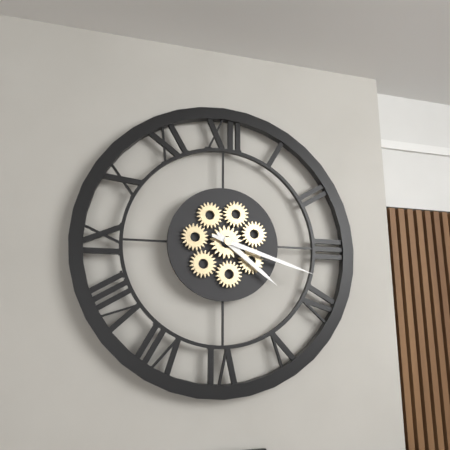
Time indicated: {"hour": 4, "minute": 18}
